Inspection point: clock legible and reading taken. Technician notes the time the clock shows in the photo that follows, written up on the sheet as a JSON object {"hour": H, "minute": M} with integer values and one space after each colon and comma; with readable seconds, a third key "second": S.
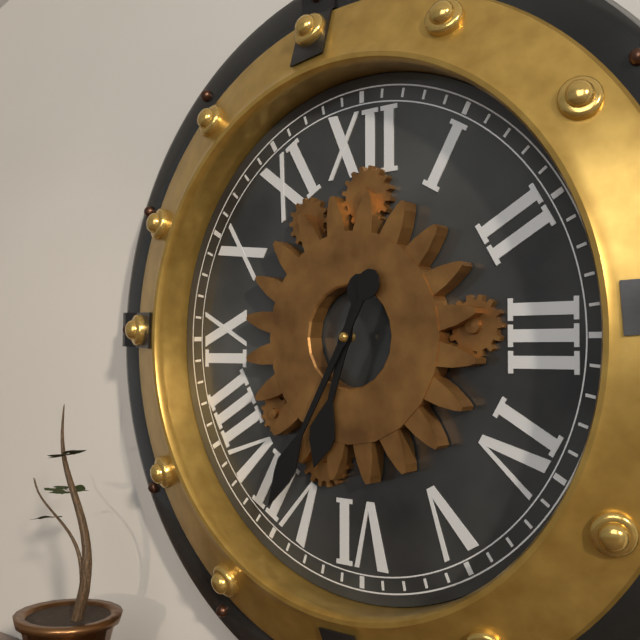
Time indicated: {"hour": 6, "minute": 35}
